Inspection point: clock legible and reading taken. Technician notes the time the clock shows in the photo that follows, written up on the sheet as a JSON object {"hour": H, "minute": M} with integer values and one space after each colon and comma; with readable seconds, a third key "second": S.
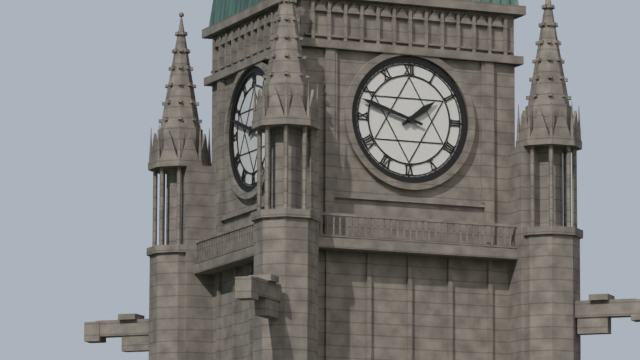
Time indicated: {"hour": 1, "minute": 48}
